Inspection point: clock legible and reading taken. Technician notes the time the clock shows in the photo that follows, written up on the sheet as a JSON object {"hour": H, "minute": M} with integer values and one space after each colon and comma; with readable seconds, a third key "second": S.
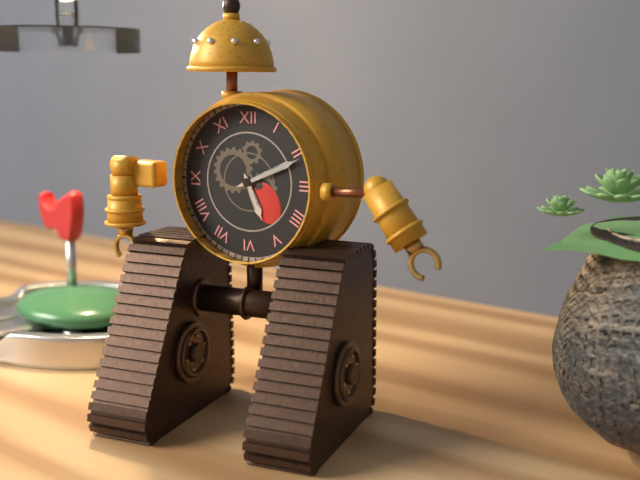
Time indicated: {"hour": 5, "minute": 11}
